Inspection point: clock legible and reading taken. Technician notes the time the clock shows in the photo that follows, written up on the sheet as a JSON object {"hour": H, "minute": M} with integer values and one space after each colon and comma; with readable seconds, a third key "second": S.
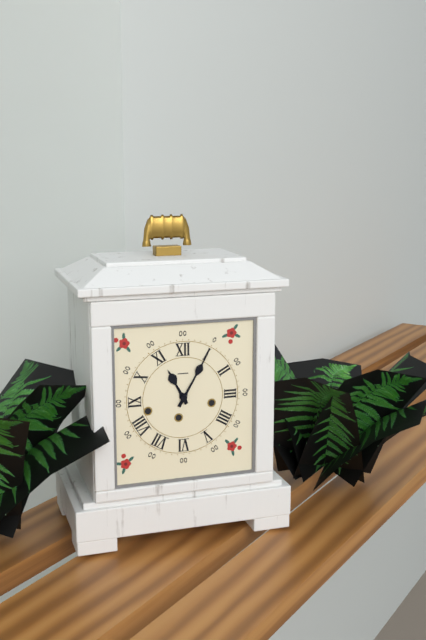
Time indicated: {"hour": 11, "minute": 5}
